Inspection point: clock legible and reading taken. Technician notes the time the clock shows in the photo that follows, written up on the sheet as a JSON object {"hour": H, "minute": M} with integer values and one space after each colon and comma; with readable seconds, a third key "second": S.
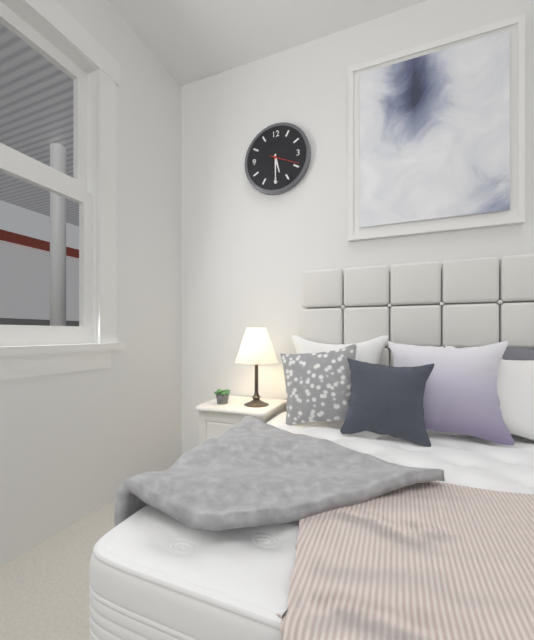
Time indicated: {"hour": 5, "minute": 30}
